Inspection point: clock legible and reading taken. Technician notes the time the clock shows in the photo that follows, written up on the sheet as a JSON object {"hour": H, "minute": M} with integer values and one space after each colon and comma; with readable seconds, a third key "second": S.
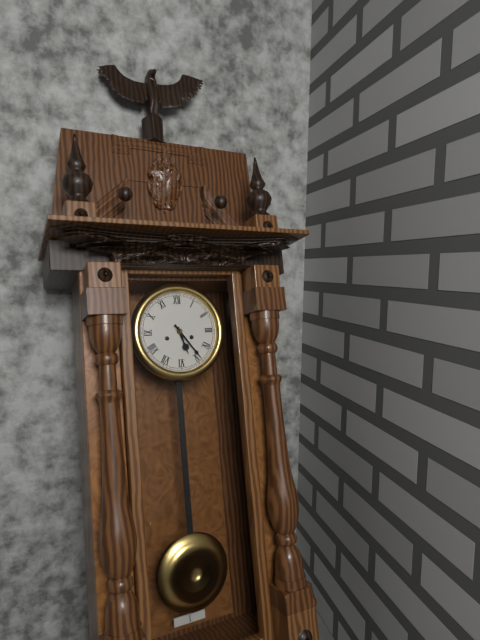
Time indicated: {"hour": 5, "minute": 24}
